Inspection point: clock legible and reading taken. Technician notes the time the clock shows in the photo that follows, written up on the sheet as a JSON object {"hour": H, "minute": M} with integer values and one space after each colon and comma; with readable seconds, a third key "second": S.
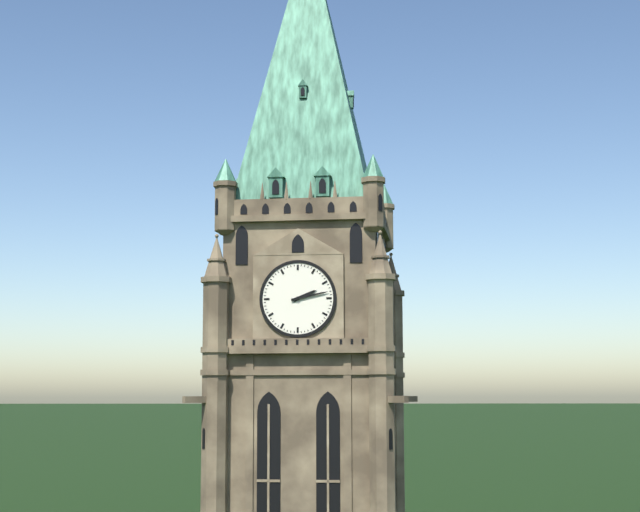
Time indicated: {"hour": 2, "minute": 13}
